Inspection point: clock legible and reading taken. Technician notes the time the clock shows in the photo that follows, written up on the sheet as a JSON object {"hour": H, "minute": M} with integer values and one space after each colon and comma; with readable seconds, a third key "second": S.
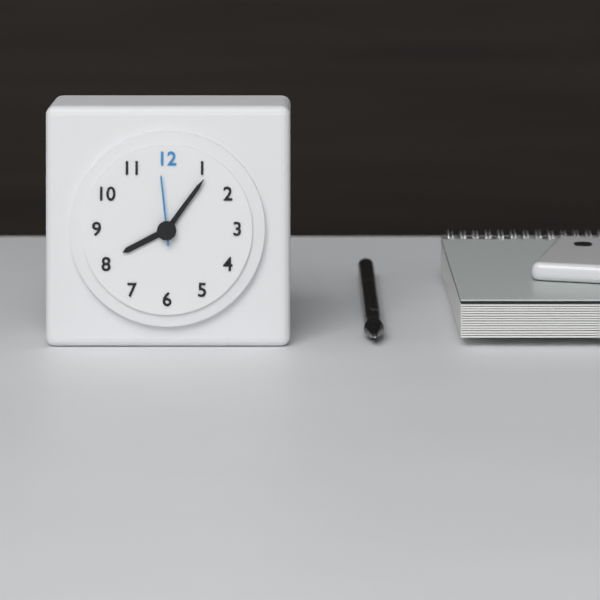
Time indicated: {"hour": 8, "minute": 6, "second": 59}
